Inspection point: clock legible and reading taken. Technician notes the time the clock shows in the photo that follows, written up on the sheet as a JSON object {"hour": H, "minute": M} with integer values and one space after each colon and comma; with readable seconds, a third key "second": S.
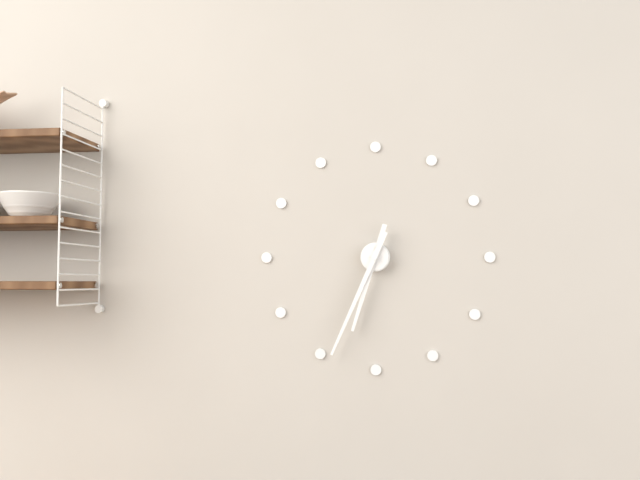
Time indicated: {"hour": 6, "minute": 34}
